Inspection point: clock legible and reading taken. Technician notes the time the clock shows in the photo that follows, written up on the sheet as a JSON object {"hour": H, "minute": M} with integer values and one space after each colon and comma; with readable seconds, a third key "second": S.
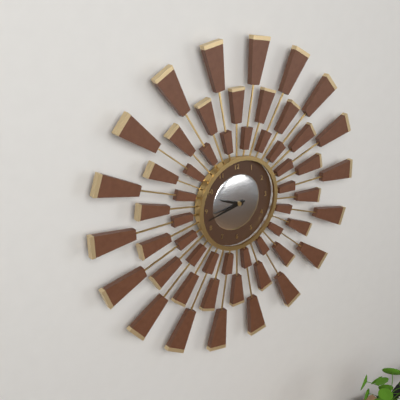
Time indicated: {"hour": 9, "minute": 43}
